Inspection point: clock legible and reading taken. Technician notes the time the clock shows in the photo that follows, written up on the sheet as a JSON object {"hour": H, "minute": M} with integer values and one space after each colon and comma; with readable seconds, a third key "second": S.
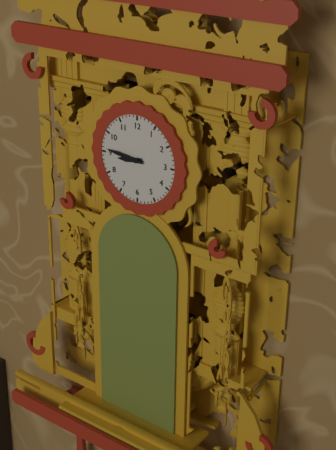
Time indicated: {"hour": 8, "minute": 46}
